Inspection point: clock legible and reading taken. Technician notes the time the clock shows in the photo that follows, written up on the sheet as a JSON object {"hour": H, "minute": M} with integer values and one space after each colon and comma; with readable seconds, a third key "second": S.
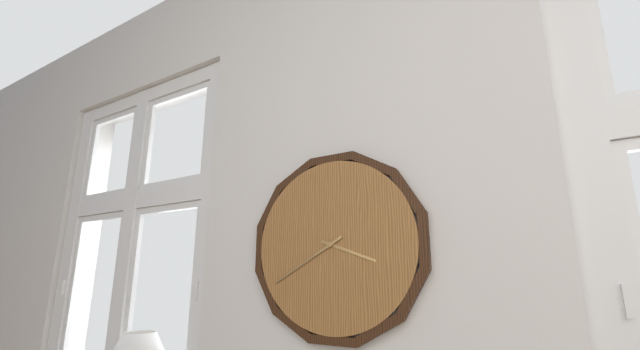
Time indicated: {"hour": 3, "minute": 40}
